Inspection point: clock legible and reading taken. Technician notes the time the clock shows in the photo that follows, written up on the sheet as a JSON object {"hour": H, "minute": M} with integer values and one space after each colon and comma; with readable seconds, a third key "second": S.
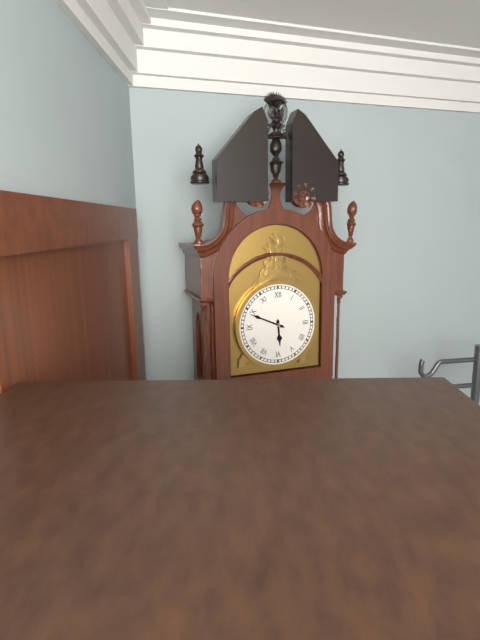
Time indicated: {"hour": 5, "minute": 49}
